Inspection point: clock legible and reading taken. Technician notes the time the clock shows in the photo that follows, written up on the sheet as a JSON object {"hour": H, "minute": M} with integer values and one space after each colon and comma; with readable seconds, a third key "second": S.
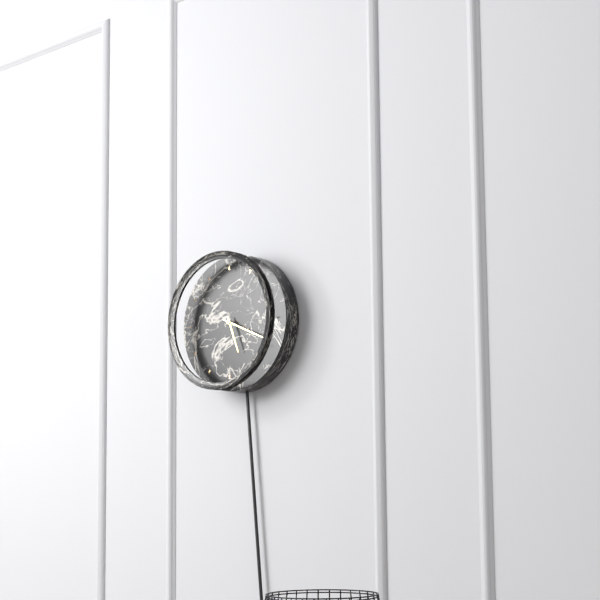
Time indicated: {"hour": 5, "minute": 19}
